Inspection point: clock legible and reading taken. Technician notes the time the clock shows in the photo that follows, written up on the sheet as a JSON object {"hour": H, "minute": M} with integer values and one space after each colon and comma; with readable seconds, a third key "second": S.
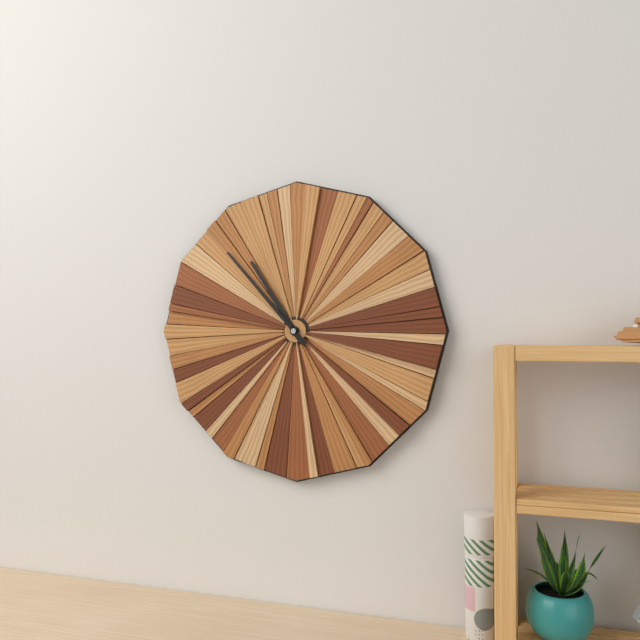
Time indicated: {"hour": 10, "minute": 53}
